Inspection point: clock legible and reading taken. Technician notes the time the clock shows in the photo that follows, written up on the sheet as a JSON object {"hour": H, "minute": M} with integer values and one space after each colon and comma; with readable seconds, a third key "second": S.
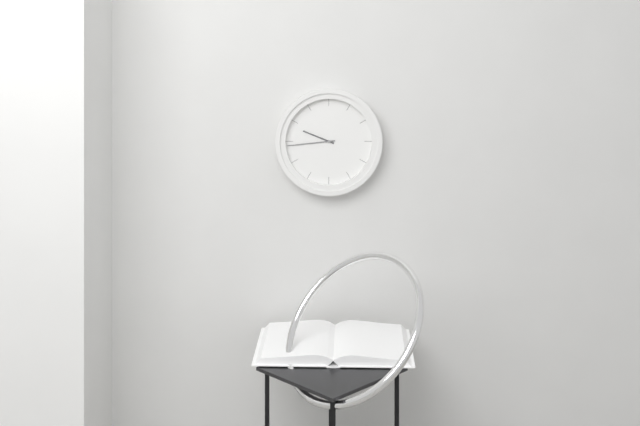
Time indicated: {"hour": 9, "minute": 44}
